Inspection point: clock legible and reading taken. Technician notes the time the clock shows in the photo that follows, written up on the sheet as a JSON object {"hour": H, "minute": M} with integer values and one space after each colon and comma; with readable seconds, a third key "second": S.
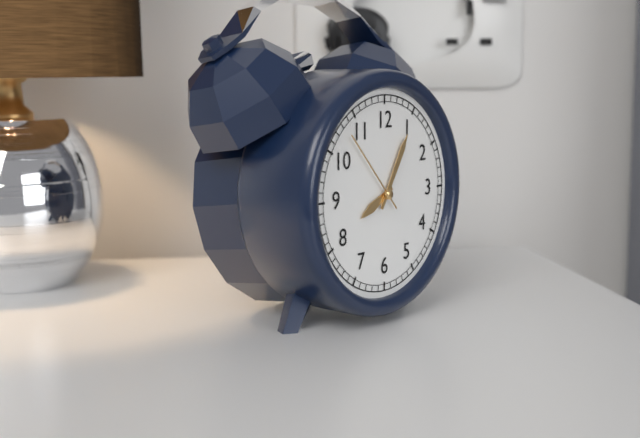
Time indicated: {"hour": 8, "minute": 5, "second": 53}
